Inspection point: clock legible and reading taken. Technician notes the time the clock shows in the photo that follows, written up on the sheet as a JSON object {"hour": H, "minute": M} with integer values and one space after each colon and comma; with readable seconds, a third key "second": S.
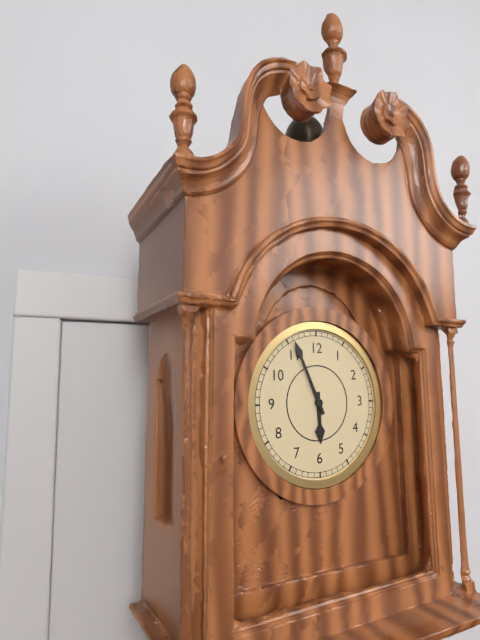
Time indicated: {"hour": 5, "minute": 56}
